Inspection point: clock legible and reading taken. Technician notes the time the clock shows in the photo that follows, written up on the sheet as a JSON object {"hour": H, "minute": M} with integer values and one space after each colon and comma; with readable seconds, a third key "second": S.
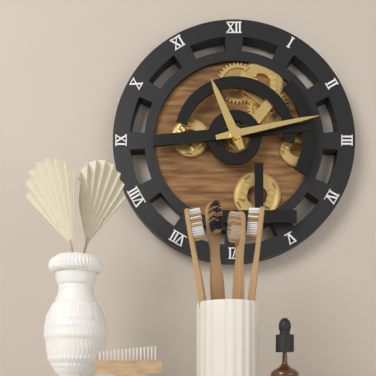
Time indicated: {"hour": 11, "minute": 13}
